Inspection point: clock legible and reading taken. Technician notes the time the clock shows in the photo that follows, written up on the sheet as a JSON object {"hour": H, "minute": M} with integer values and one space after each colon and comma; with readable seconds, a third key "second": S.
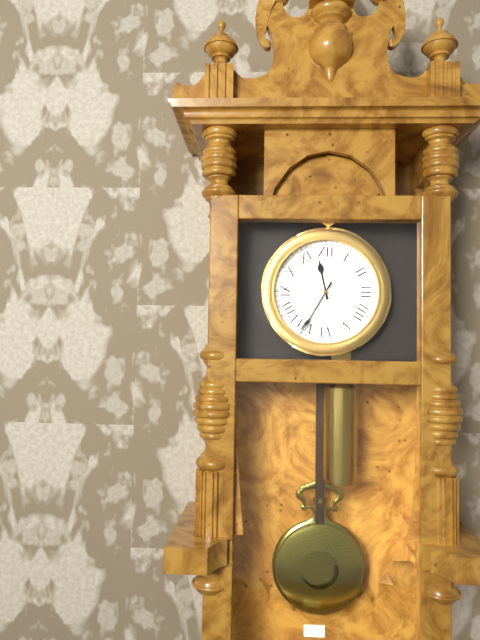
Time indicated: {"hour": 11, "minute": 35}
